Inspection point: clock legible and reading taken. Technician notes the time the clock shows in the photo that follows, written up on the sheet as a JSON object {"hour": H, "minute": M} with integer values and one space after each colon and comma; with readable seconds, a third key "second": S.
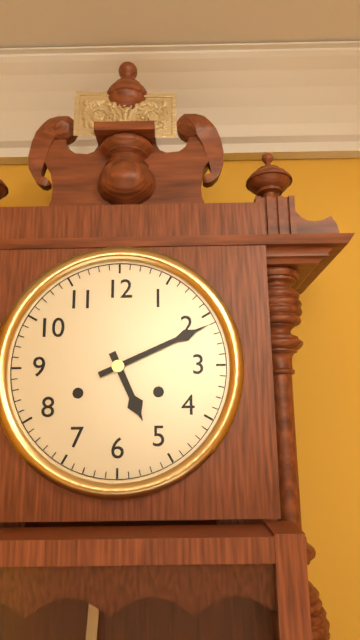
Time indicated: {"hour": 5, "minute": 11}
